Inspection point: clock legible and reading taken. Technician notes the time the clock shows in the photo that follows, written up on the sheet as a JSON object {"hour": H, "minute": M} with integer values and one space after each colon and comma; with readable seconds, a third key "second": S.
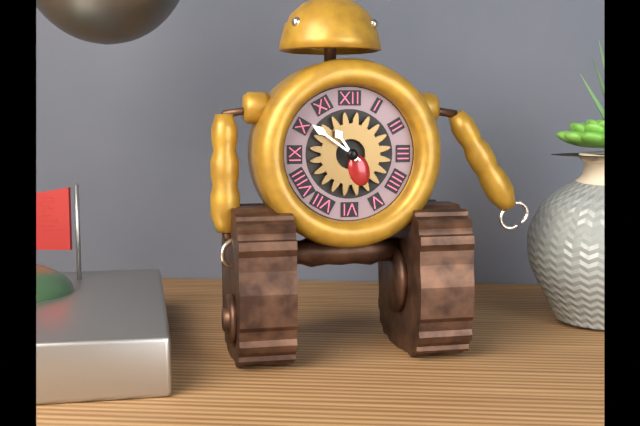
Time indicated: {"hour": 10, "minute": 51}
